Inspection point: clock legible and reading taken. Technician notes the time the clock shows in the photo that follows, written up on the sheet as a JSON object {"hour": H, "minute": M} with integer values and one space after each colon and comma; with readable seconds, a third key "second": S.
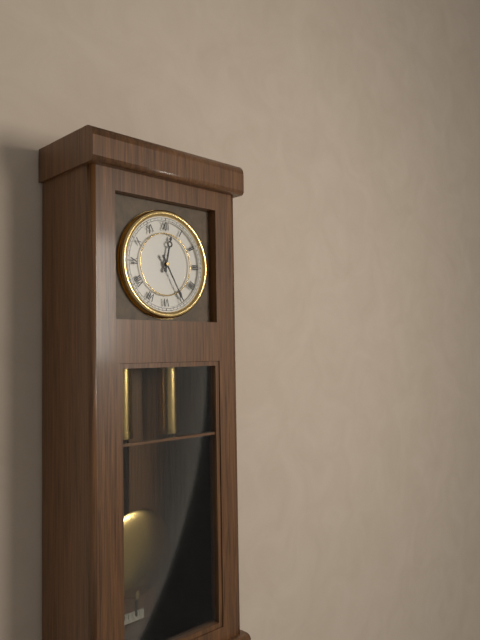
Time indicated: {"hour": 12, "minute": 25}
